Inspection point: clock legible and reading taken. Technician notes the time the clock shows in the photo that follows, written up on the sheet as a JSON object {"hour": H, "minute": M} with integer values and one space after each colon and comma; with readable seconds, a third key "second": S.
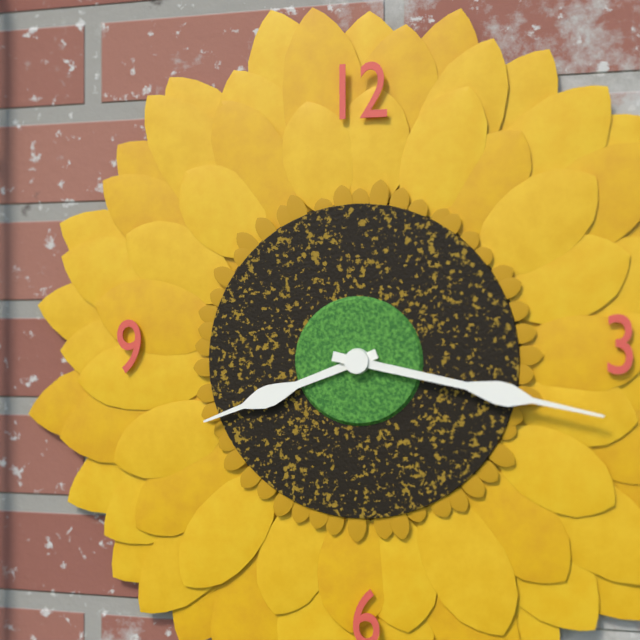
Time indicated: {"hour": 8, "minute": 17}
